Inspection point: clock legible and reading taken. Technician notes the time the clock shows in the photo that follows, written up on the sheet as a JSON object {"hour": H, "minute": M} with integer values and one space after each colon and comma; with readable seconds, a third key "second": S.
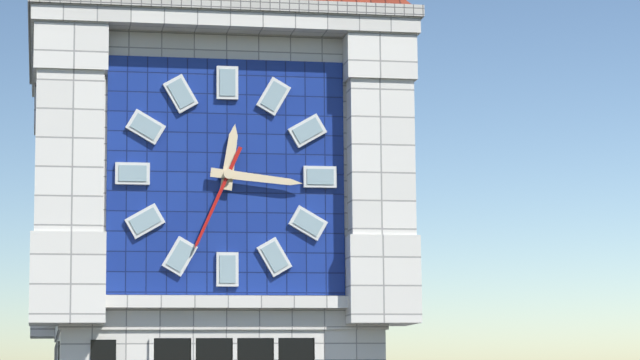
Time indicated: {"hour": 12, "minute": 16, "second": 34}
